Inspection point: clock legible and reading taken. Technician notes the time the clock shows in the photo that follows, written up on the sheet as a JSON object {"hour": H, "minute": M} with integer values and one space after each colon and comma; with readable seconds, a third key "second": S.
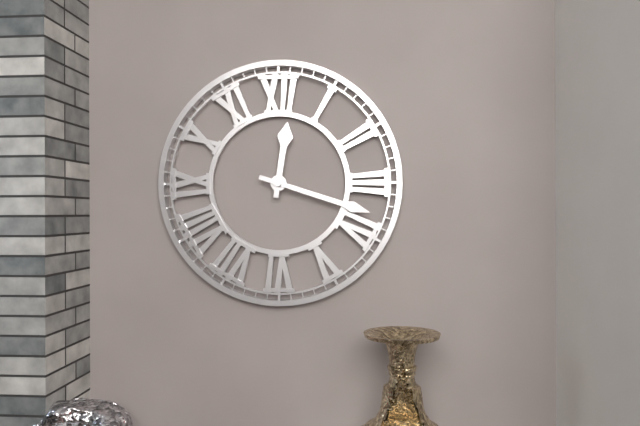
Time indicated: {"hour": 12, "minute": 18}
